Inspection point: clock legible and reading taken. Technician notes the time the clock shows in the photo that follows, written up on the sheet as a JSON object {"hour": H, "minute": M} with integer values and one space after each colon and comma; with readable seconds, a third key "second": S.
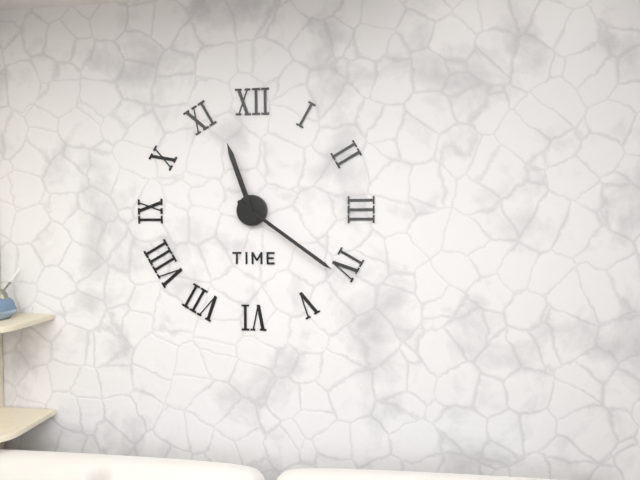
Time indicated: {"hour": 11, "minute": 21}
